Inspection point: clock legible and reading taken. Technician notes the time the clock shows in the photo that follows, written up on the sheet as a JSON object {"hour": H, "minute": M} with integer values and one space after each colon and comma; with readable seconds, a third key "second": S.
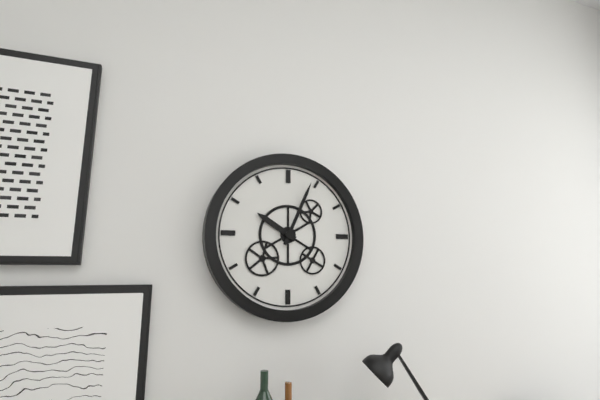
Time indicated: {"hour": 10, "minute": 4}
